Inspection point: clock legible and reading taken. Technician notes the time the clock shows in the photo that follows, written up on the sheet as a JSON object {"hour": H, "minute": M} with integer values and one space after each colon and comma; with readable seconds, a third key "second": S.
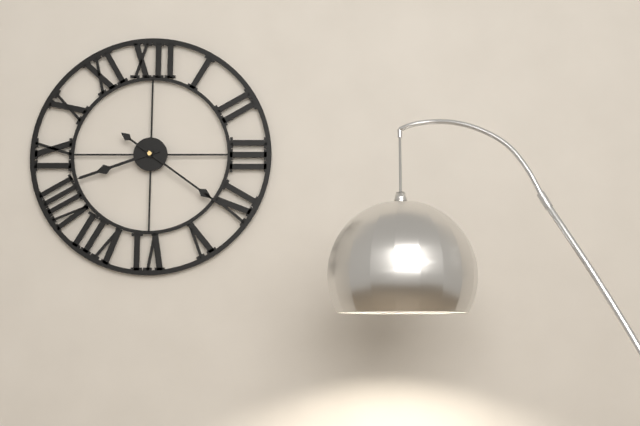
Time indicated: {"hour": 8, "minute": 21}
